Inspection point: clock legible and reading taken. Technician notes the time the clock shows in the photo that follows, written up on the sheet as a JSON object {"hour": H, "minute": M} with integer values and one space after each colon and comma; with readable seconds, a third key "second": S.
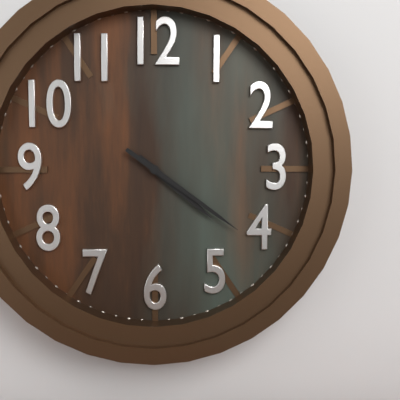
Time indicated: {"hour": 4, "minute": 21}
